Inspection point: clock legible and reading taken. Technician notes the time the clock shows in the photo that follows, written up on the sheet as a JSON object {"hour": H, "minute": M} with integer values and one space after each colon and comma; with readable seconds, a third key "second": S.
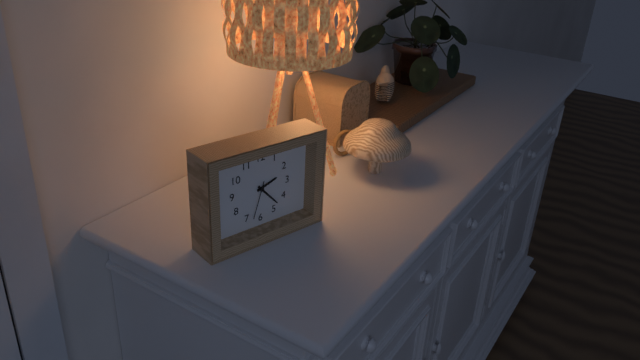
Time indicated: {"hour": 2, "minute": 23}
